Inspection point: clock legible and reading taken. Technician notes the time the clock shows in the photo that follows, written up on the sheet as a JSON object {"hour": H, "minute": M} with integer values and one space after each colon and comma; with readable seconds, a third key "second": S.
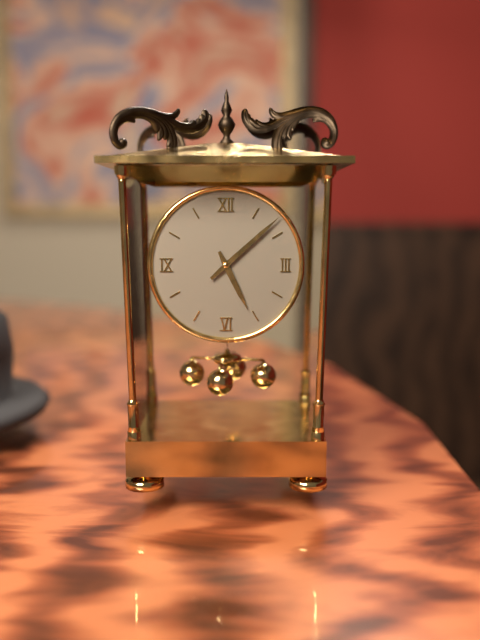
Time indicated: {"hour": 5, "minute": 8}
